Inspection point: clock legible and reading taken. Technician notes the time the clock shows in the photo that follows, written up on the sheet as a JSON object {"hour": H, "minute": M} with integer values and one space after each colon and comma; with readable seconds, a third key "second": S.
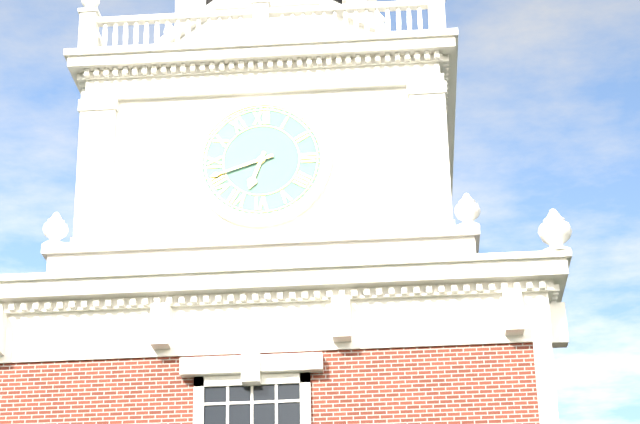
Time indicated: {"hour": 6, "minute": 42}
